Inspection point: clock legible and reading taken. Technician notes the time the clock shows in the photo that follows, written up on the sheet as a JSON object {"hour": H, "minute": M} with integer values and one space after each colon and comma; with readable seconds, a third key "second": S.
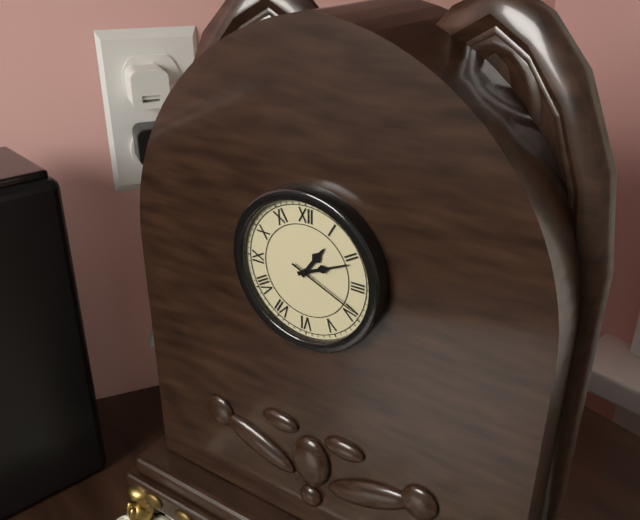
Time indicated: {"hour": 1, "minute": 11, "second": 19}
